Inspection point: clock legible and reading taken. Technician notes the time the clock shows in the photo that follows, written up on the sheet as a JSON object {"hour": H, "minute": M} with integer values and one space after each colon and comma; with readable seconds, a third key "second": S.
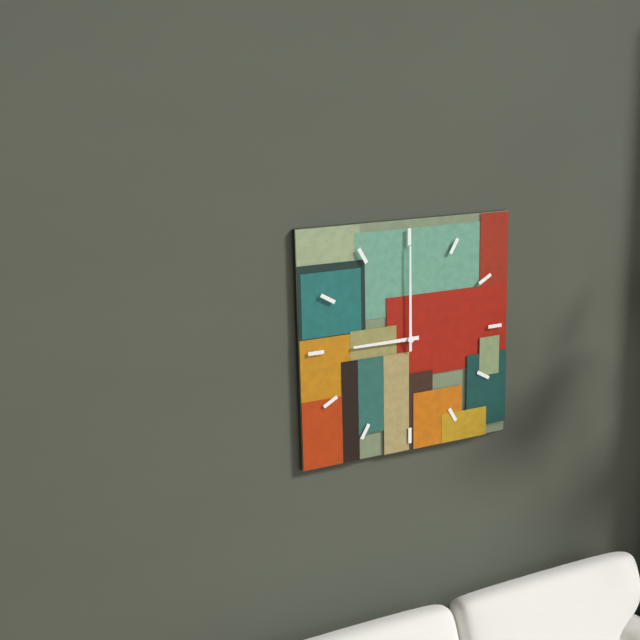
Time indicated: {"hour": 9, "minute": 0}
